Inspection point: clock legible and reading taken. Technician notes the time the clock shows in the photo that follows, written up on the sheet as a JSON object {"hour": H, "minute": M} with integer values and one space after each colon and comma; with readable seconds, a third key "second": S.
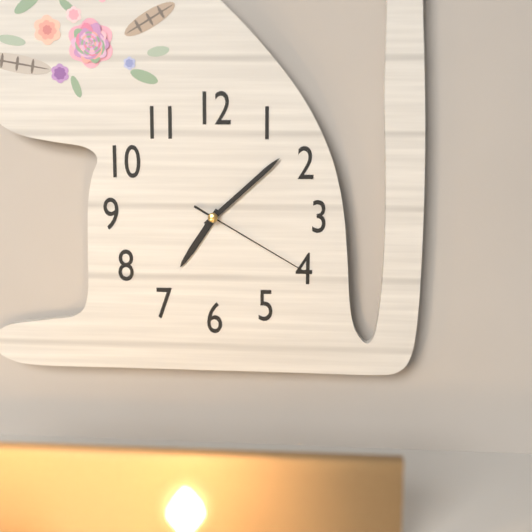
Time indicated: {"hour": 7, "minute": 8, "second": 20}
